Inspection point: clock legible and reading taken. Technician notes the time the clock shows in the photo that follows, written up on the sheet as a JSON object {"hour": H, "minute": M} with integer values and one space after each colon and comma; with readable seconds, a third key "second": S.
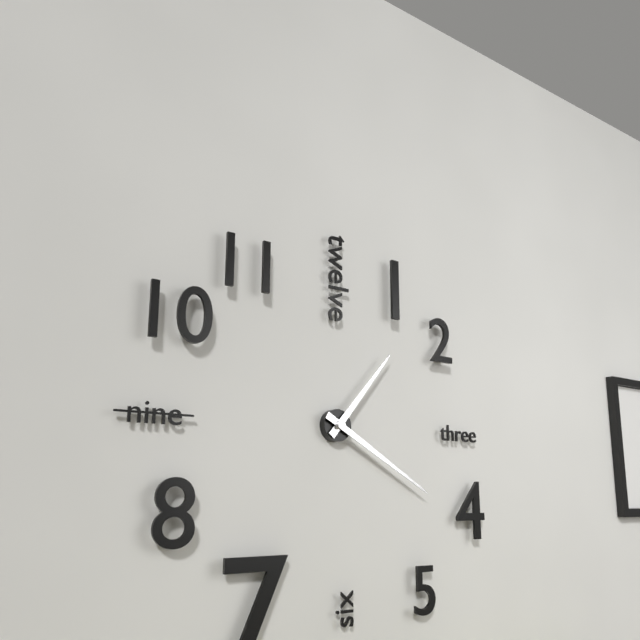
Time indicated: {"hour": 1, "minute": 20}
